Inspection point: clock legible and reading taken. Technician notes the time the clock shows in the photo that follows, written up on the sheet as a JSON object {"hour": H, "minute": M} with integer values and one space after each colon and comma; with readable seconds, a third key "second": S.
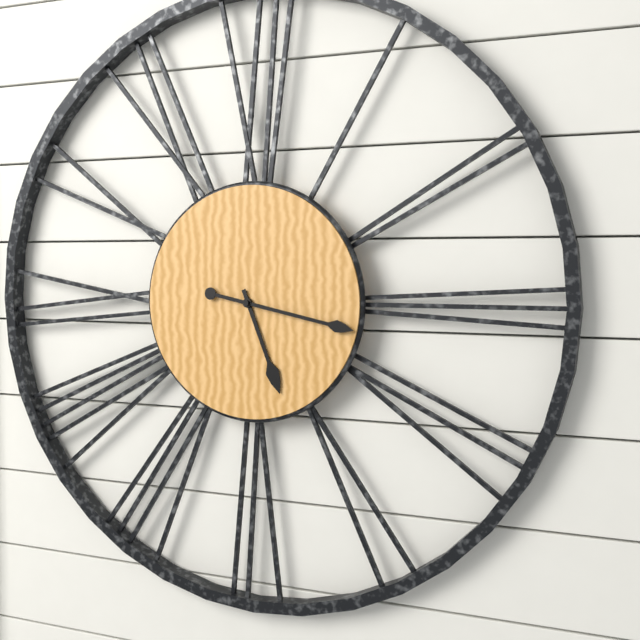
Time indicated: {"hour": 5, "minute": 17}
